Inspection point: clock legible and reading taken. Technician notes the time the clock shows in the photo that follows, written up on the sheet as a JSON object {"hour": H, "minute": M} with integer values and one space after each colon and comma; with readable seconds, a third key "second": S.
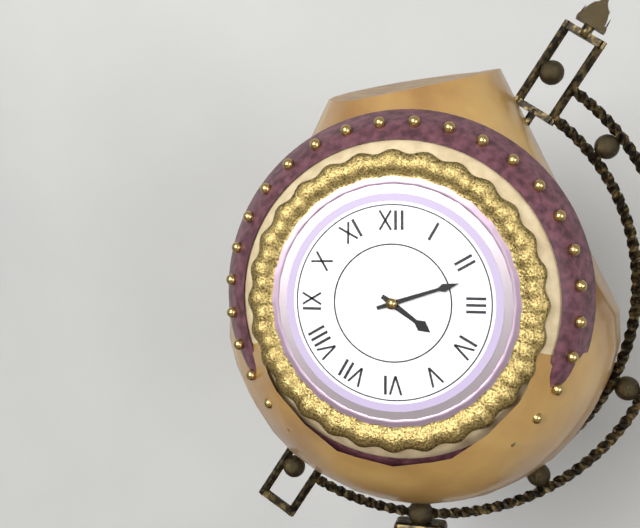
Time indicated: {"hour": 4, "minute": 12}
